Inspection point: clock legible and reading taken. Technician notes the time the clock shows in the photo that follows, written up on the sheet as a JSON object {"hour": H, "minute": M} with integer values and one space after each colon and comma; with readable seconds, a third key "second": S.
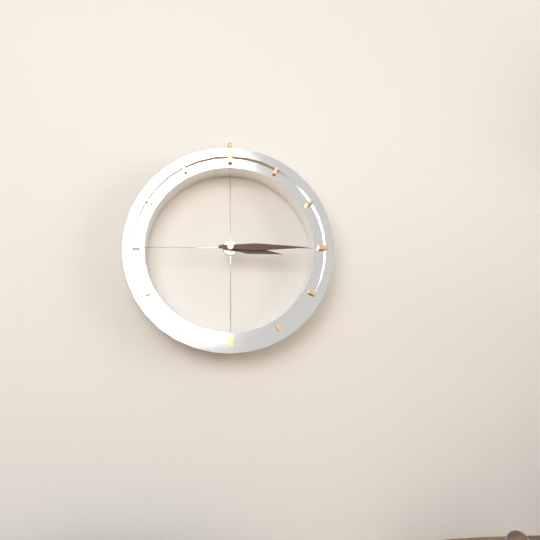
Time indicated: {"hour": 3, "minute": 15}
